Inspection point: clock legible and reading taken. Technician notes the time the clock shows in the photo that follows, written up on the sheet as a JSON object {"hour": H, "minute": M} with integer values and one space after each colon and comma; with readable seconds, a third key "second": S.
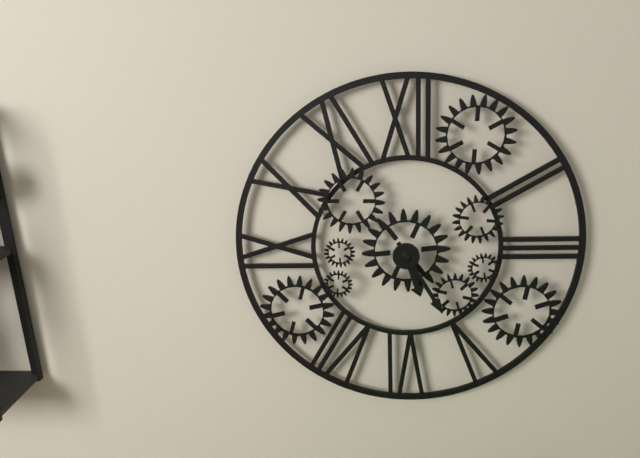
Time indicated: {"hour": 5, "minute": 25}
